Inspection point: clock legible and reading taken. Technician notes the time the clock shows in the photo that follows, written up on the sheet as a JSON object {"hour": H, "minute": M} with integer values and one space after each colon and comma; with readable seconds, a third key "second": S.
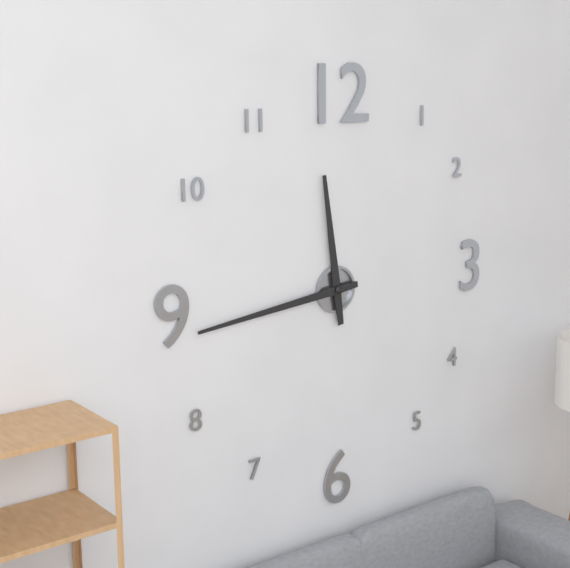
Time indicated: {"hour": 11, "minute": 44}
